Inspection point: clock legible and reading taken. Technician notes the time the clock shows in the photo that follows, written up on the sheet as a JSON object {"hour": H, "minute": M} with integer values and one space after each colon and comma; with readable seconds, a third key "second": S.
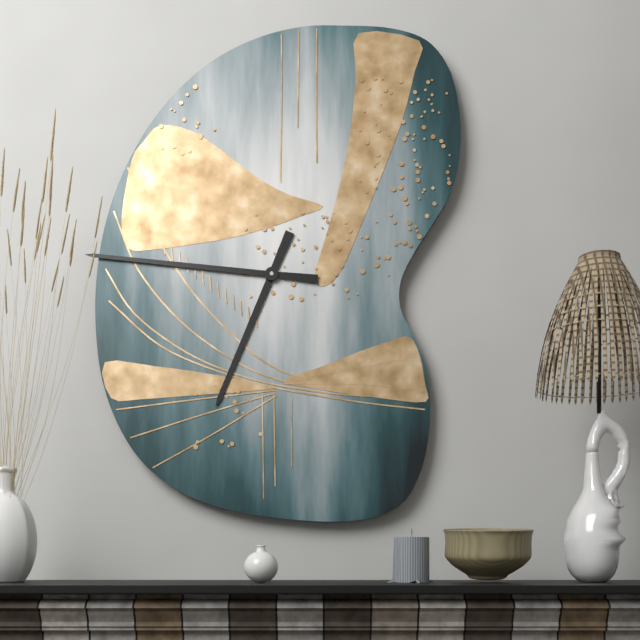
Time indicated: {"hour": 6, "minute": 46}
